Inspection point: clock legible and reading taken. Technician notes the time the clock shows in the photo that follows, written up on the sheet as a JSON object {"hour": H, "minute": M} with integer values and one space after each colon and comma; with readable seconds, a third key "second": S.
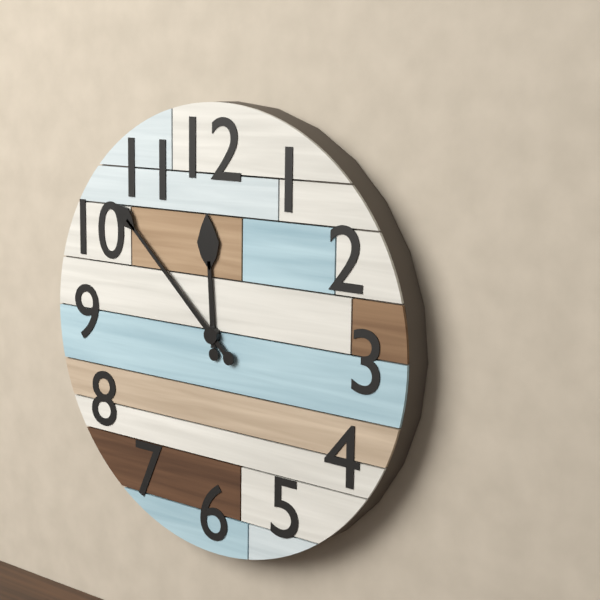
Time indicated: {"hour": 11, "minute": 52}
